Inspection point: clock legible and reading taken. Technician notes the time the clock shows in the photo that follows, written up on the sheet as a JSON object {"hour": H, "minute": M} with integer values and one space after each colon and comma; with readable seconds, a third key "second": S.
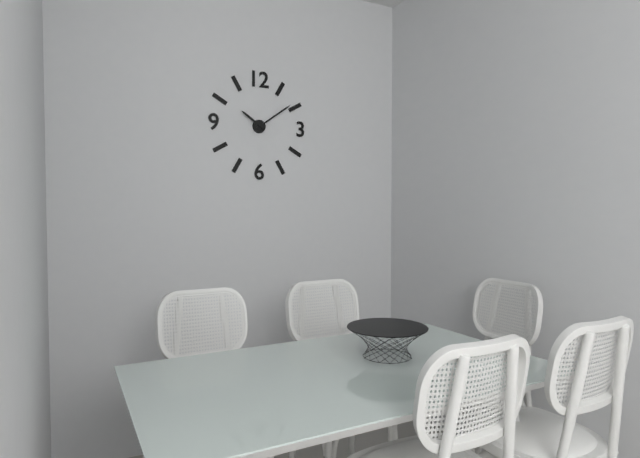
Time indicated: {"hour": 10, "minute": 9}
